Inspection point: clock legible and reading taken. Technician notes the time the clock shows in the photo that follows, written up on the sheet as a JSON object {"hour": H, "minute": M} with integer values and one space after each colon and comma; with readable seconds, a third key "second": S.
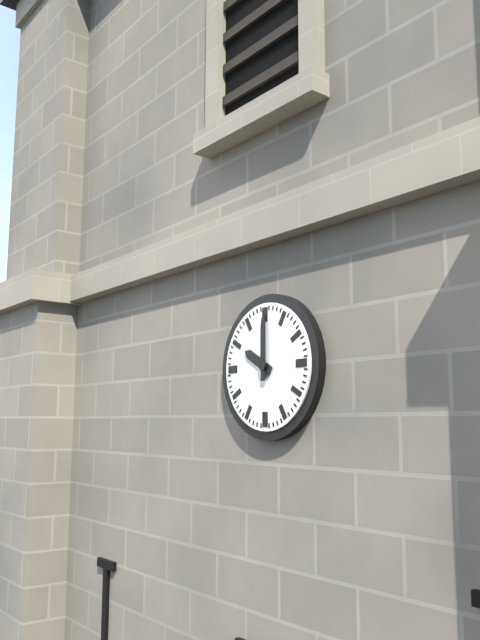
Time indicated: {"hour": 10, "minute": 0}
